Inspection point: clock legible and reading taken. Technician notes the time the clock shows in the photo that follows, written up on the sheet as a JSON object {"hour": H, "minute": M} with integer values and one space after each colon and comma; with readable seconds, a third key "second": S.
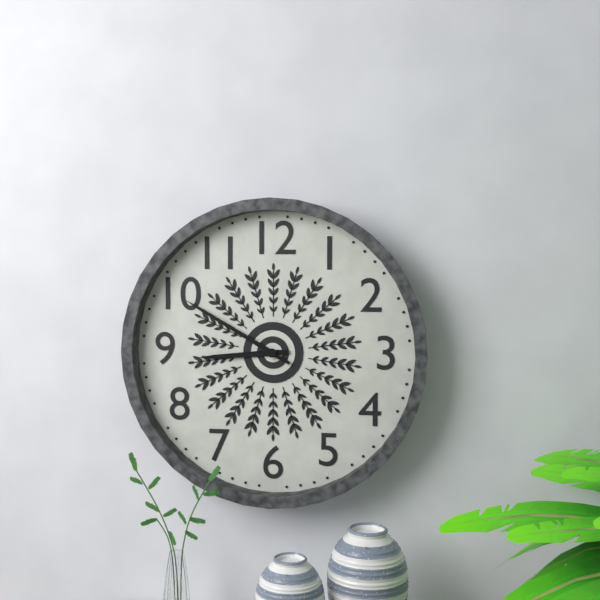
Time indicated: {"hour": 8, "minute": 50}
